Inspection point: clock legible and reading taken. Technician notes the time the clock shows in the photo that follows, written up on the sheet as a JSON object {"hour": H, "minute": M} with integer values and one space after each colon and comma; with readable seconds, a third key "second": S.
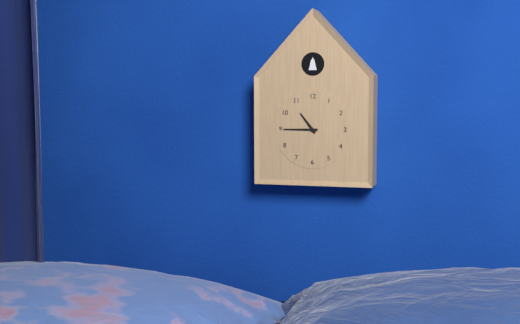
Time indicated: {"hour": 10, "minute": 45}
